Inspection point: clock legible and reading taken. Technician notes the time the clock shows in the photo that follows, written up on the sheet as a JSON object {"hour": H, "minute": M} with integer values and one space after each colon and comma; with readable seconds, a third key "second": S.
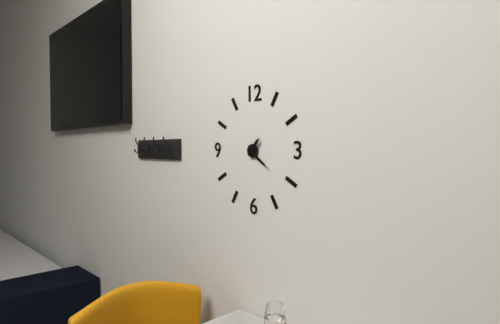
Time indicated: {"hour": 1, "minute": 21}
